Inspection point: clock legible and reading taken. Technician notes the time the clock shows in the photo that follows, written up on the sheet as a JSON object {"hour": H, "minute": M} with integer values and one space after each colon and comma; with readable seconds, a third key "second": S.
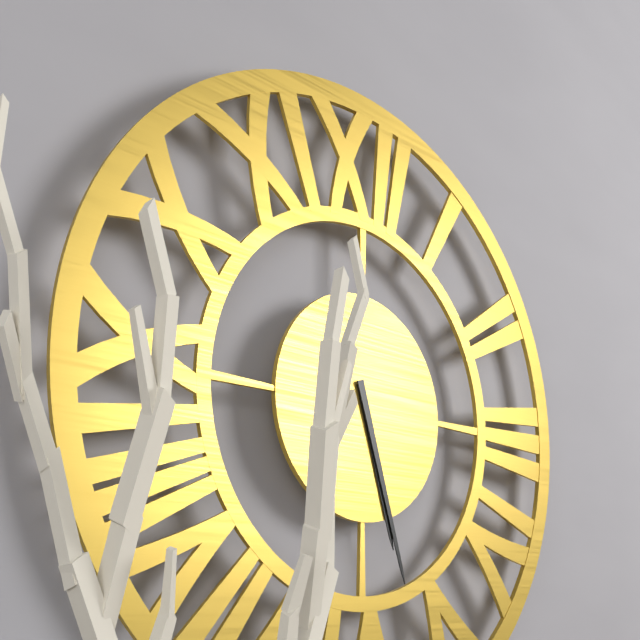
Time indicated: {"hour": 5, "minute": 27}
